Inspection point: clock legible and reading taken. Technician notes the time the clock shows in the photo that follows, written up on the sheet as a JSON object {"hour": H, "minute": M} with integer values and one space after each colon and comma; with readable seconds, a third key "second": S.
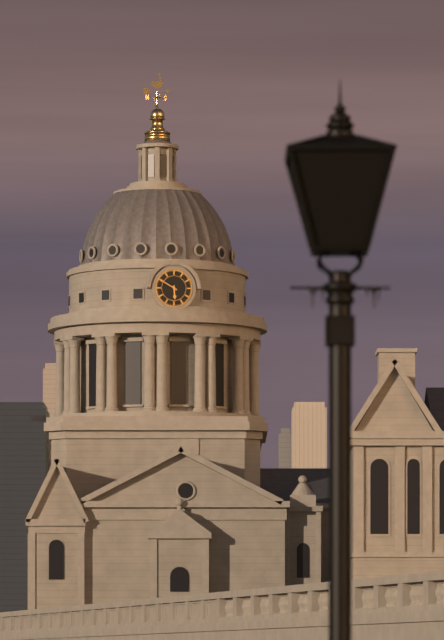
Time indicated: {"hour": 5, "minute": 50}
